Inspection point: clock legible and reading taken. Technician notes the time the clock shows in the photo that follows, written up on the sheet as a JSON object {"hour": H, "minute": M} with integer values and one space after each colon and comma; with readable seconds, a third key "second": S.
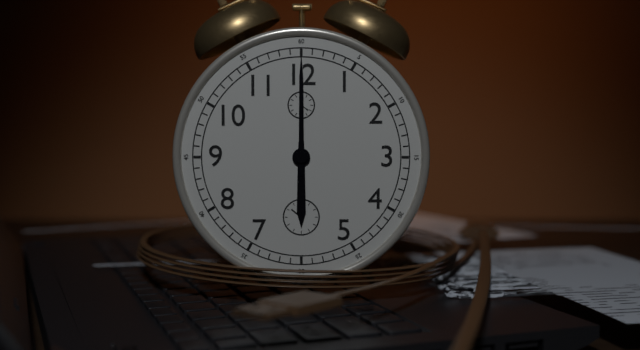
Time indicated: {"hour": 6, "minute": 0}
